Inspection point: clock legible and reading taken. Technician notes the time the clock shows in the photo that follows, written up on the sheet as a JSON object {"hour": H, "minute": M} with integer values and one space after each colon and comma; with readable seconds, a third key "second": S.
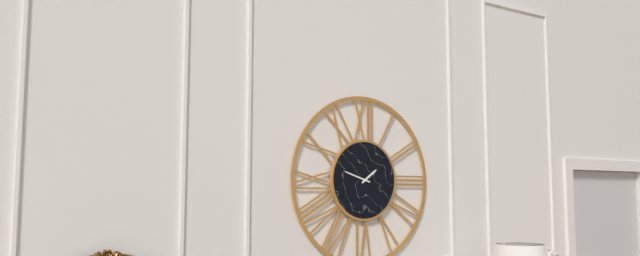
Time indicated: {"hour": 1, "minute": 48}
